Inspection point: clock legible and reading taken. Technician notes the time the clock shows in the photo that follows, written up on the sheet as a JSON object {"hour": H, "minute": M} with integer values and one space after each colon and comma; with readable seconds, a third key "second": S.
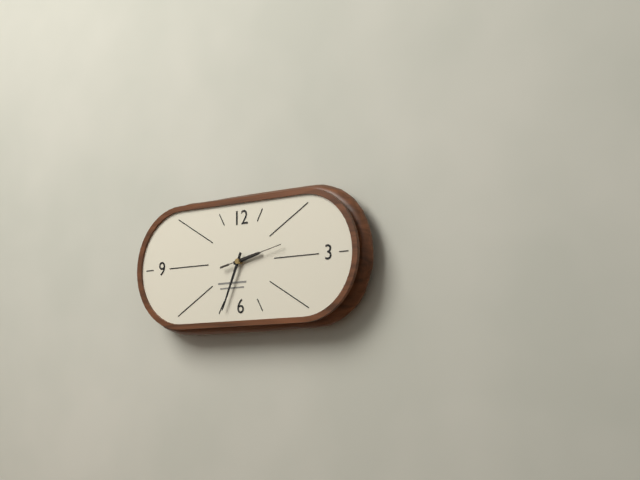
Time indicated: {"hour": 2, "minute": 34, "second": 13}
